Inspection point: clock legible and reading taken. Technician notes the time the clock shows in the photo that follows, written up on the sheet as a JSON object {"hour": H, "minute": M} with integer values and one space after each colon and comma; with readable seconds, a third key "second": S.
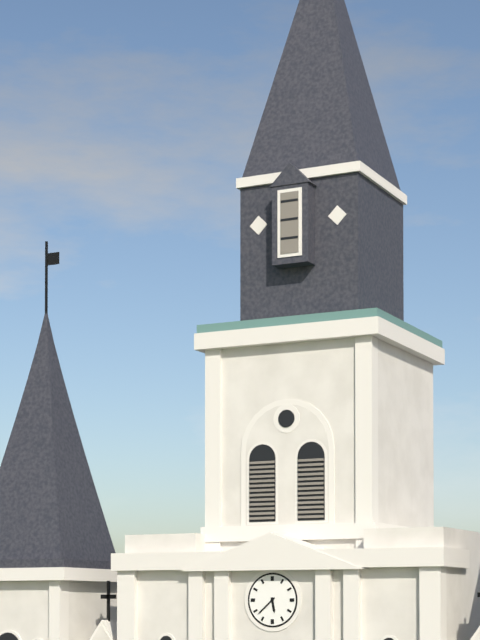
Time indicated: {"hour": 5, "minute": 38}
